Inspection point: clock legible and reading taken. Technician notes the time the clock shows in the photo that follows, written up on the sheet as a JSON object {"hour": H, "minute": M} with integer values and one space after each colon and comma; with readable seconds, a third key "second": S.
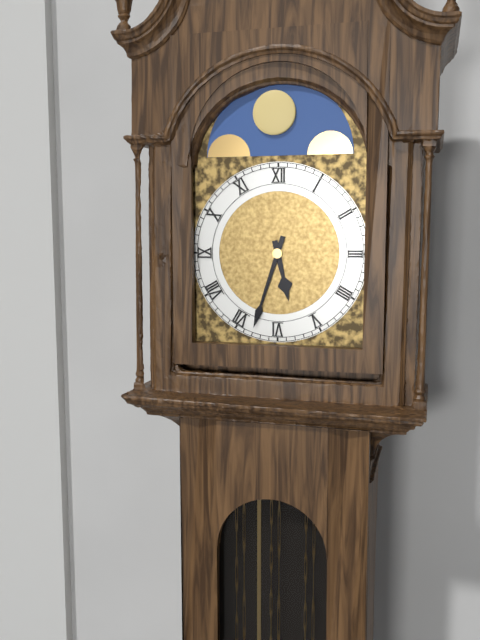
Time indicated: {"hour": 5, "minute": 33}
